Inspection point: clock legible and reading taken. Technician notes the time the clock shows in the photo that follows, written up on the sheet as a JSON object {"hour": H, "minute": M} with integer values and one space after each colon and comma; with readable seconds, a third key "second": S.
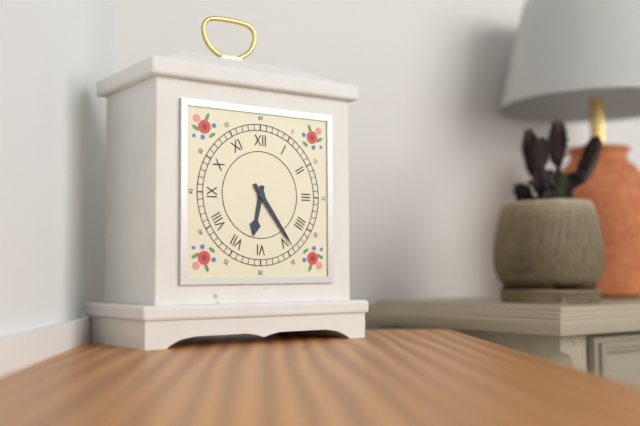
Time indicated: {"hour": 6, "minute": 24}
